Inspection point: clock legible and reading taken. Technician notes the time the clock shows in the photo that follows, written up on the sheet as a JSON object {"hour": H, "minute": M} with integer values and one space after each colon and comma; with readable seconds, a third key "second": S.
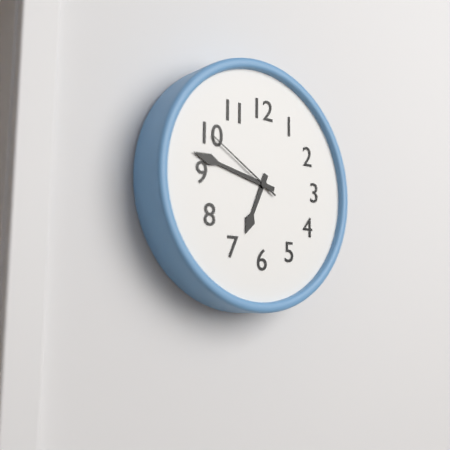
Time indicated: {"hour": 6, "minute": 47, "second": 50}
